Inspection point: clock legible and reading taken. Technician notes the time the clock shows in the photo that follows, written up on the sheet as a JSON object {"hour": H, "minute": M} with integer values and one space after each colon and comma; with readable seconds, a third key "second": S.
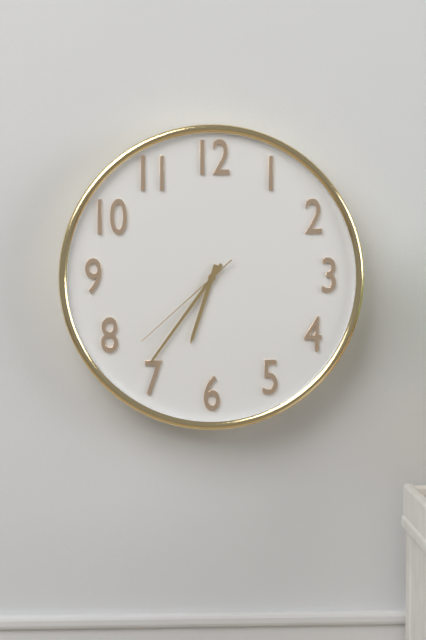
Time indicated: {"hour": 6, "minute": 36, "second": 38}
